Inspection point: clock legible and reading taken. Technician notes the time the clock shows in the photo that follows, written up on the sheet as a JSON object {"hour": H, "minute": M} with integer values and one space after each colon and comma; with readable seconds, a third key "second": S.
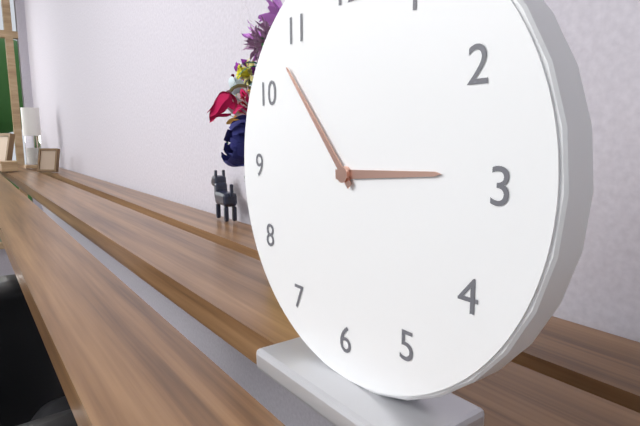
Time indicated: {"hour": 2, "minute": 53}
